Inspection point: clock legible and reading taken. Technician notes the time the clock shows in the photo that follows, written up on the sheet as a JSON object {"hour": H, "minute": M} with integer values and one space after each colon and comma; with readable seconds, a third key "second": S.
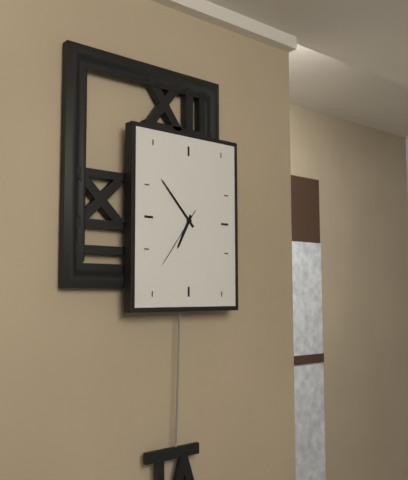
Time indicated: {"hour": 6, "minute": 53, "second": 36}
